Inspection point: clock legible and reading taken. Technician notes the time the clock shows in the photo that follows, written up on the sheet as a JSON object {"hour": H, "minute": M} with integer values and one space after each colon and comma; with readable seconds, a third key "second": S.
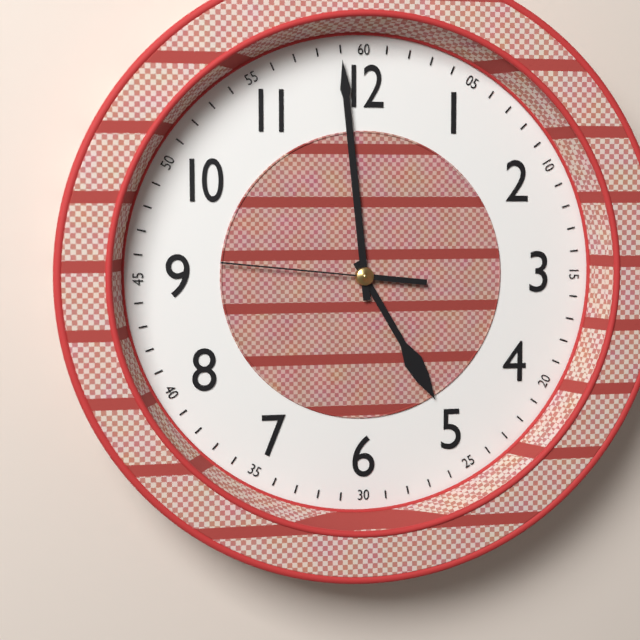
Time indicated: {"hour": 4, "minute": 59, "second": 46}
